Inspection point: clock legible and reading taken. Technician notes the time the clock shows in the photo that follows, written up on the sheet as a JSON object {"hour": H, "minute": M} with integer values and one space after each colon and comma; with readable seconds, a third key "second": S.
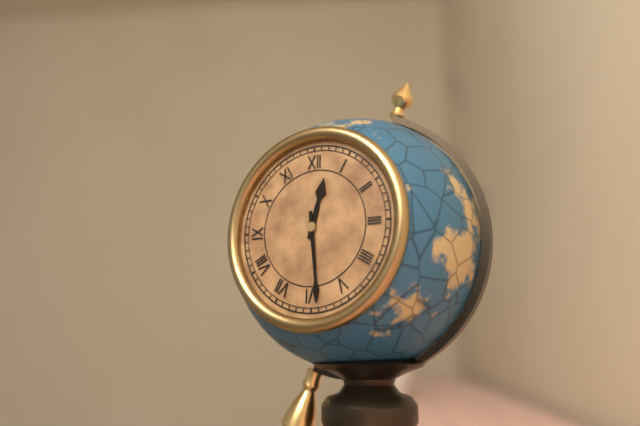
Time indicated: {"hour": 12, "minute": 29}
